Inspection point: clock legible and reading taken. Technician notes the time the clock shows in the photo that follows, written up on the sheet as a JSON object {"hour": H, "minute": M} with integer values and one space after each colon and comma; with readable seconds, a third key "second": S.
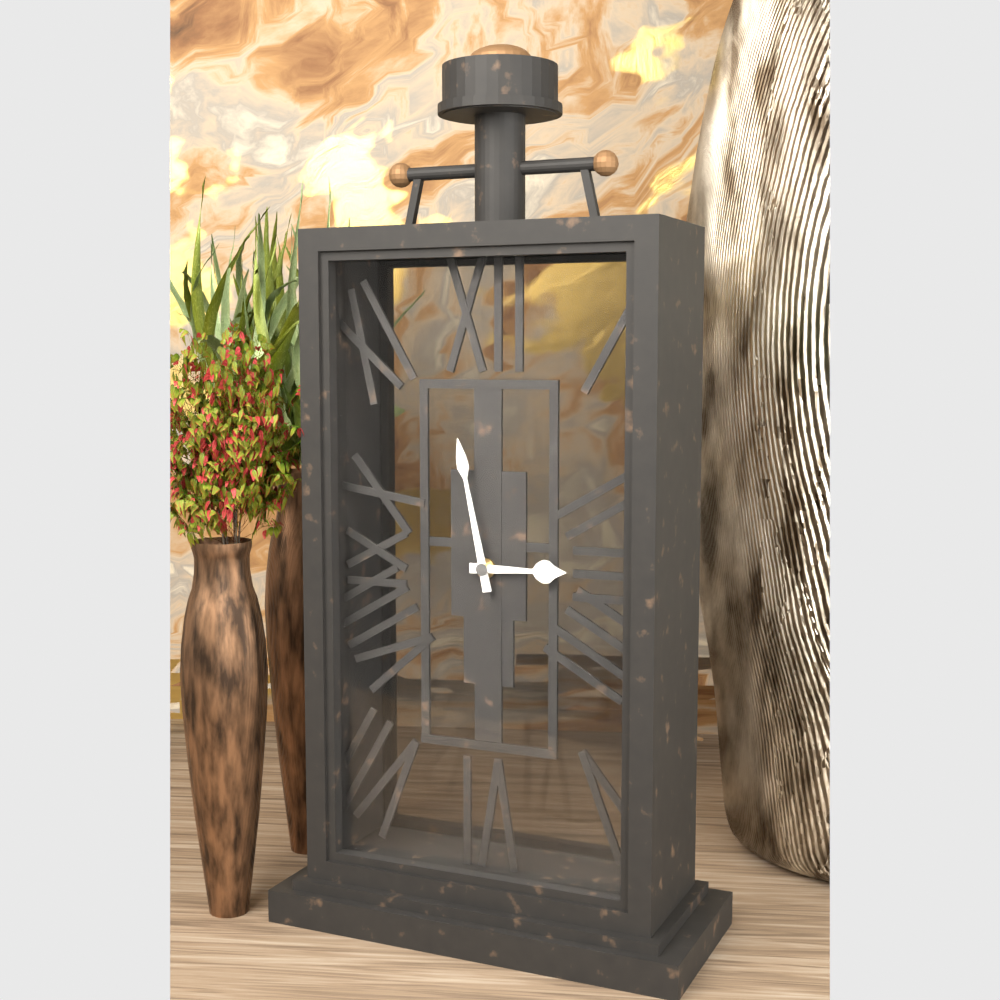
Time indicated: {"hour": 2, "minute": 58}
